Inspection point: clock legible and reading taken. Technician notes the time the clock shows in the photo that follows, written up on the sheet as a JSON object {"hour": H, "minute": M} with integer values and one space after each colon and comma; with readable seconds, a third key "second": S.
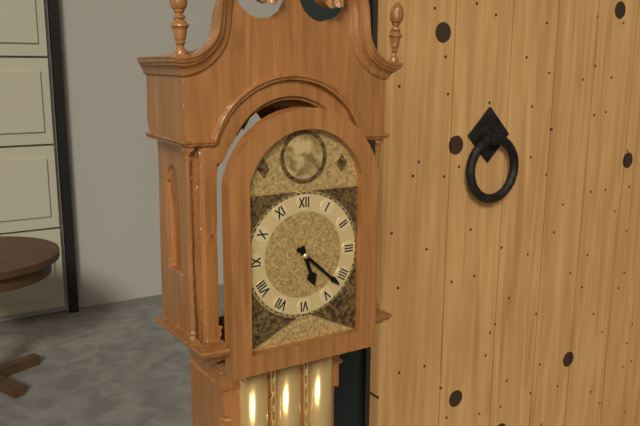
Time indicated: {"hour": 5, "minute": 22}
